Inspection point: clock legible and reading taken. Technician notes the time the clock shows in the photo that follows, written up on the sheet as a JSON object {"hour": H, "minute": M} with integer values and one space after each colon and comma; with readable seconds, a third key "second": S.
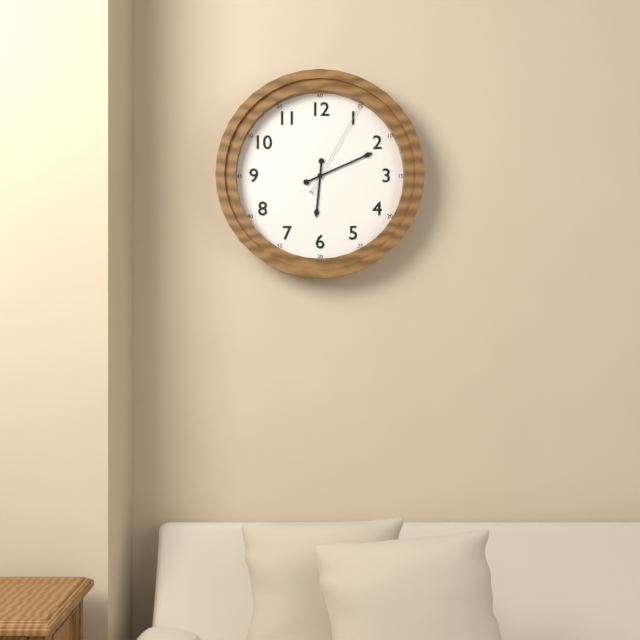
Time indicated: {"hour": 6, "minute": 11, "second": 5}
